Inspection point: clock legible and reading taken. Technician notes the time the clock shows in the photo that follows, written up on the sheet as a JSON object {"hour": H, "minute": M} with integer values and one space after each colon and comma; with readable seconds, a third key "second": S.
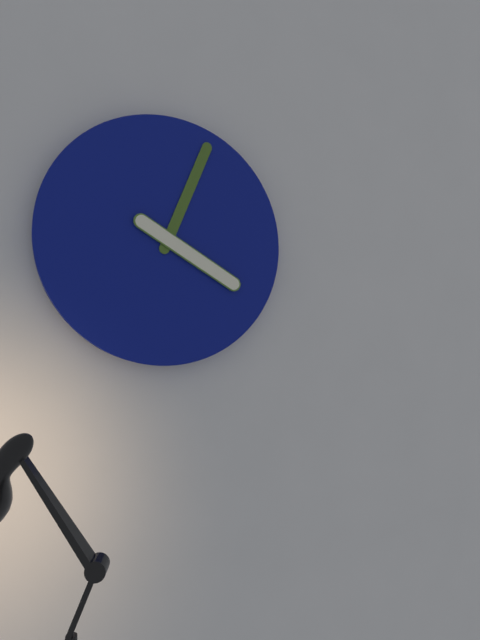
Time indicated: {"hour": 4, "minute": 4}
